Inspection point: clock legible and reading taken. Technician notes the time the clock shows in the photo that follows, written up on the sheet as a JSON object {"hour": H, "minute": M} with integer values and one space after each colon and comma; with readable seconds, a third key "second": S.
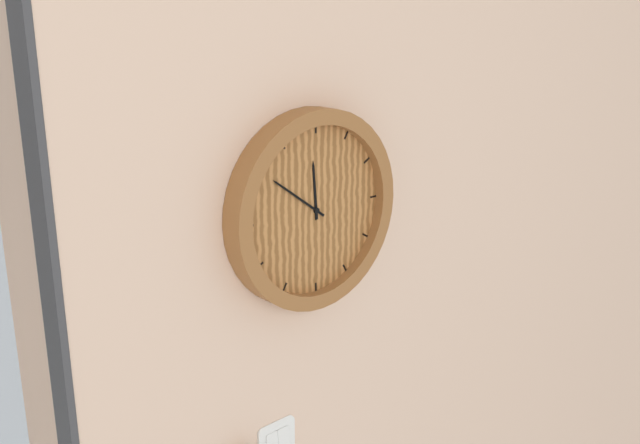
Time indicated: {"hour": 11, "minute": 51}
